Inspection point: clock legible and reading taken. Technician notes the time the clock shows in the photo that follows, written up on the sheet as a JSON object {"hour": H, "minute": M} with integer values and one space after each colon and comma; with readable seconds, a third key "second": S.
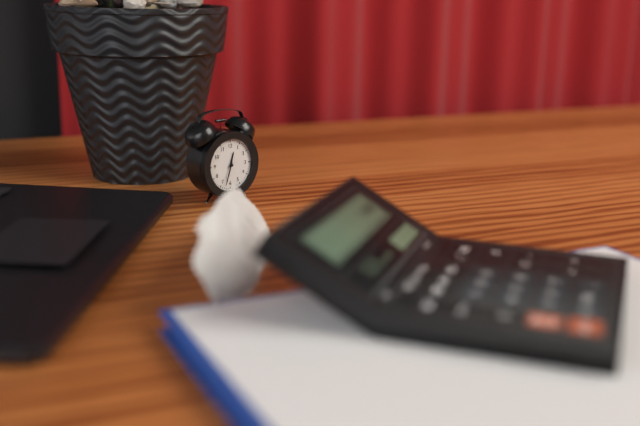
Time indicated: {"hour": 12, "minute": 33}
